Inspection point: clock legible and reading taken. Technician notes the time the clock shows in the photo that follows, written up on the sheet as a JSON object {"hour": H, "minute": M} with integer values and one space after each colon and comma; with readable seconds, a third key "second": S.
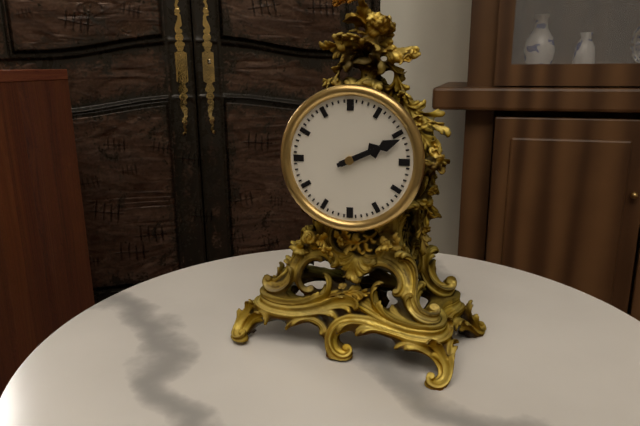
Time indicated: {"hour": 2, "minute": 11}
